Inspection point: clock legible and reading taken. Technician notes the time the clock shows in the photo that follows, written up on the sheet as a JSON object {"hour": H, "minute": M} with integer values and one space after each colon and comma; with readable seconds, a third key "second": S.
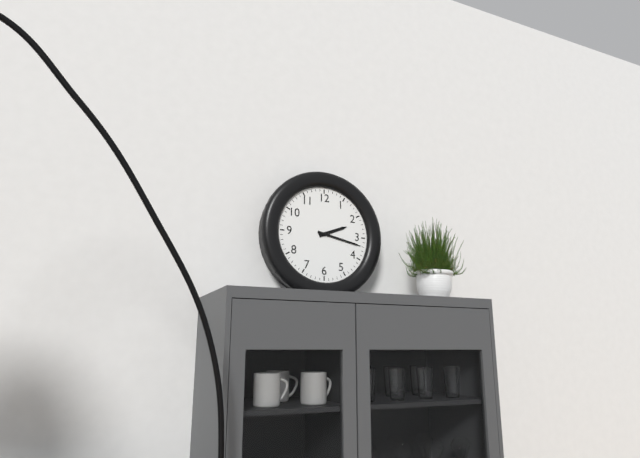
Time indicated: {"hour": 2, "minute": 17}
